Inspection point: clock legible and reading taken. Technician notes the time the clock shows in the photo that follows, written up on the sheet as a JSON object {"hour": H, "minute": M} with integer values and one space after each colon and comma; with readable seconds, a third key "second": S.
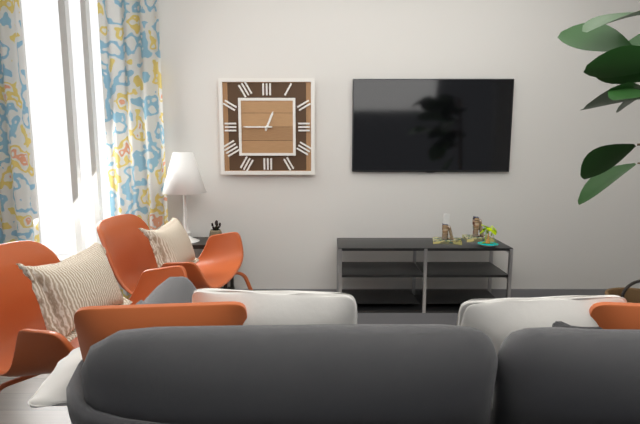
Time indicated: {"hour": 12, "minute": 45}
